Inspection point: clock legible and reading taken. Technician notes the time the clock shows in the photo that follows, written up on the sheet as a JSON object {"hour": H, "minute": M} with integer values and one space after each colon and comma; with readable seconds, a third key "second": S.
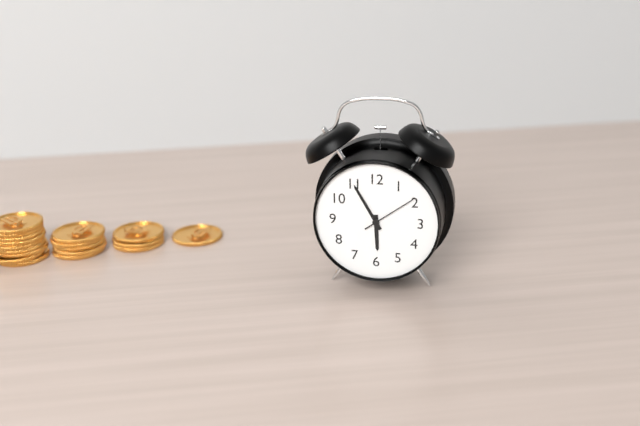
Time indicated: {"hour": 5, "minute": 55, "second": 9}
